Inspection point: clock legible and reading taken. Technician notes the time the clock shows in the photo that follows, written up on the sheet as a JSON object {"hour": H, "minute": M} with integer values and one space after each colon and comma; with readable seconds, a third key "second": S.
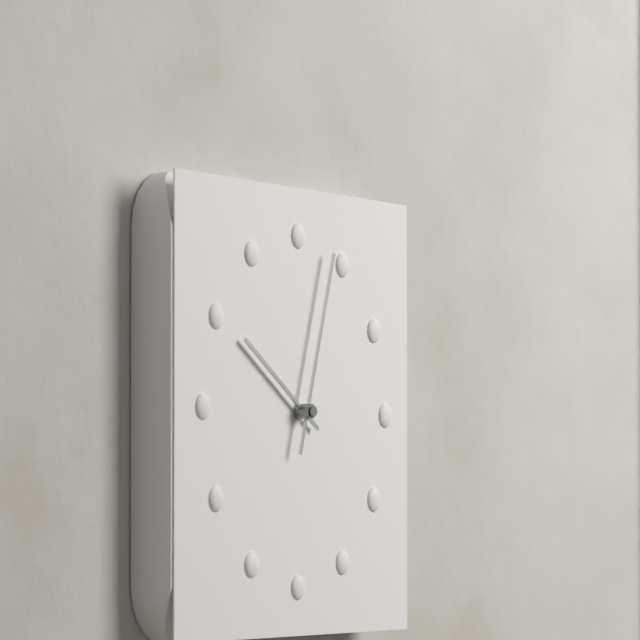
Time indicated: {"hour": 10, "minute": 3}
